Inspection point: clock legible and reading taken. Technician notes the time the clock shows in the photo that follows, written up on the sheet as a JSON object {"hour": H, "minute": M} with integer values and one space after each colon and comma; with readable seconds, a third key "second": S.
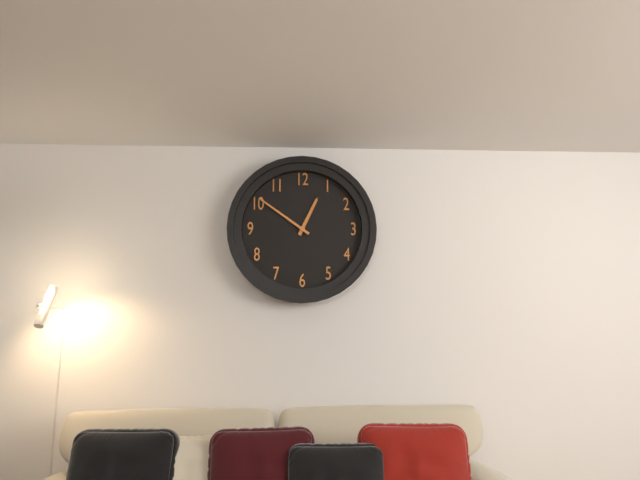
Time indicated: {"hour": 12, "minute": 51}
